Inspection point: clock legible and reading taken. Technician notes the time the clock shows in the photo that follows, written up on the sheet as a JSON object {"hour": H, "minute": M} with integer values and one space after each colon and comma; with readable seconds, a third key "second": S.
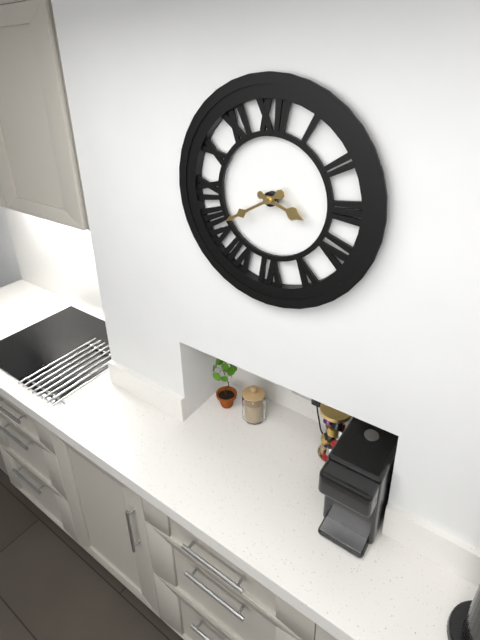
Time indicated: {"hour": 3, "minute": 40}
